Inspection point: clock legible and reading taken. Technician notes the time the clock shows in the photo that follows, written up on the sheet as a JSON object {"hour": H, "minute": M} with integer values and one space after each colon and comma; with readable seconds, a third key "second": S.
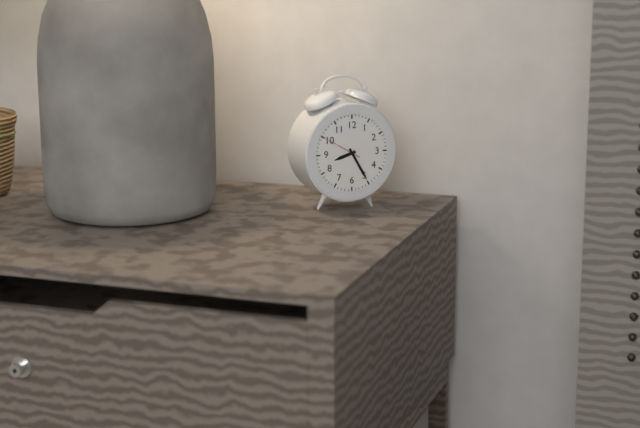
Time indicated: {"hour": 8, "minute": 25}
